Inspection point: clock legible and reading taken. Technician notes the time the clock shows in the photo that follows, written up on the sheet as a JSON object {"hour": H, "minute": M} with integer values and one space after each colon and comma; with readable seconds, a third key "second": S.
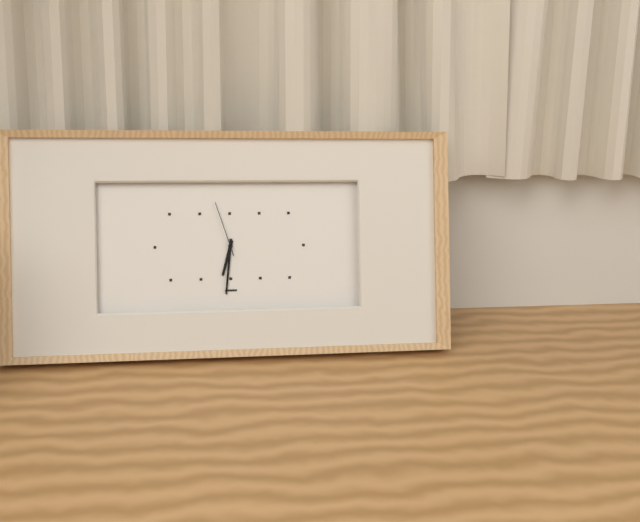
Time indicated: {"hour": 6, "minute": 31, "second": 57}
